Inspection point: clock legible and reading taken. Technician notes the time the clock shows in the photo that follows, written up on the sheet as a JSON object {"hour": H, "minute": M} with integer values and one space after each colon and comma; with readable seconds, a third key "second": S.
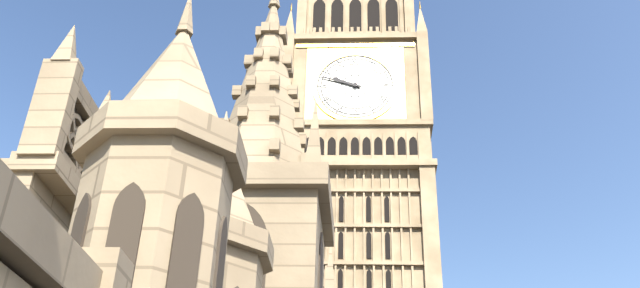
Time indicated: {"hour": 9, "minute": 48}
